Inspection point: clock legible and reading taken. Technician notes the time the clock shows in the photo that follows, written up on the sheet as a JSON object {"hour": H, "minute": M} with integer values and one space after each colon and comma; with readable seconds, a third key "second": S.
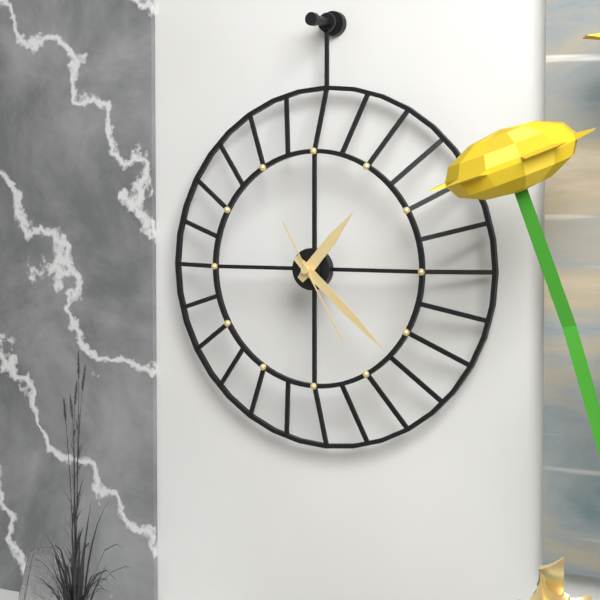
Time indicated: {"hour": 1, "minute": 22, "second": 25}
